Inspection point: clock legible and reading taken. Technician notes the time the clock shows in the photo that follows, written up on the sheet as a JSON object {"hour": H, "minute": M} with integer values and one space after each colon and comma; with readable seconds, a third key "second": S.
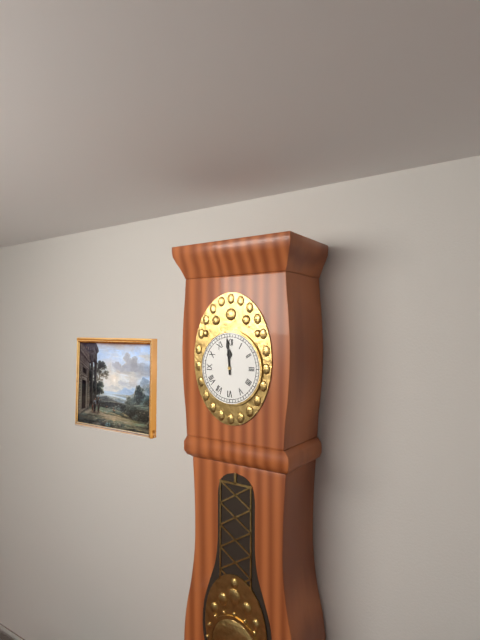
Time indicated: {"hour": 11, "minute": 59}
